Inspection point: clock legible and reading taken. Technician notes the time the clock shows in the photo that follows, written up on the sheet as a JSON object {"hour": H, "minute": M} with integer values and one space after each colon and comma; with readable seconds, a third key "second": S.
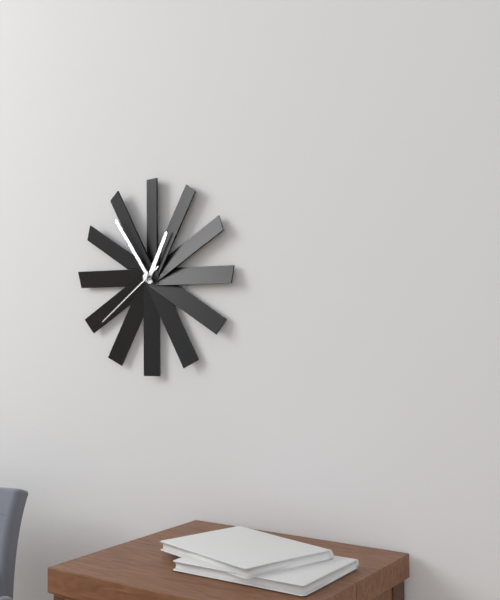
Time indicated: {"hour": 12, "minute": 54, "second": 39}
